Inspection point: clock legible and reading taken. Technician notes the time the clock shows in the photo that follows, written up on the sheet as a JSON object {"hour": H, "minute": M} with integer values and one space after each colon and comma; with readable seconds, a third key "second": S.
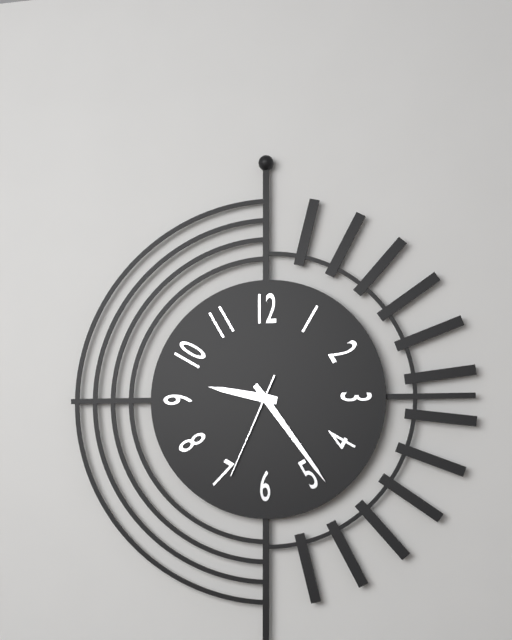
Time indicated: {"hour": 9, "minute": 24, "second": 34}
